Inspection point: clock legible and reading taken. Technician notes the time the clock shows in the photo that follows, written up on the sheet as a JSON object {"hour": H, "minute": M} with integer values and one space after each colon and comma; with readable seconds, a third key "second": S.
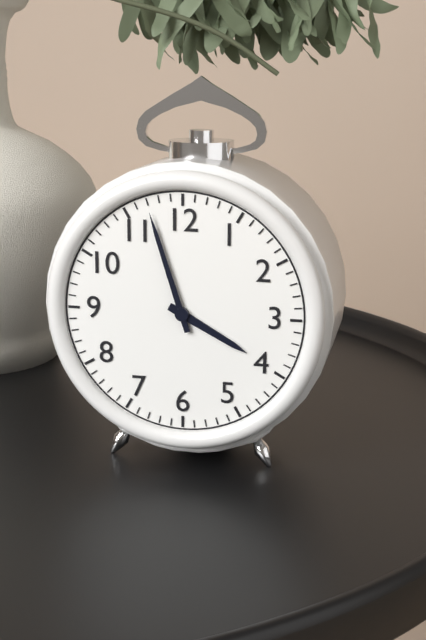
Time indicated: {"hour": 3, "minute": 57}
